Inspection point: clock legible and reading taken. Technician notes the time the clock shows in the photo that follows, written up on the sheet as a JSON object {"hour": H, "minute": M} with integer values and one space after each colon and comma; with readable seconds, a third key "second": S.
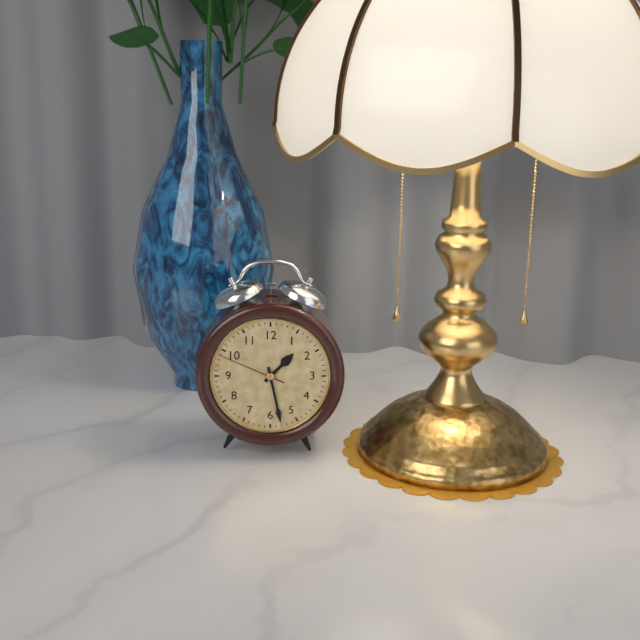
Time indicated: {"hour": 1, "minute": 28, "second": 49}
